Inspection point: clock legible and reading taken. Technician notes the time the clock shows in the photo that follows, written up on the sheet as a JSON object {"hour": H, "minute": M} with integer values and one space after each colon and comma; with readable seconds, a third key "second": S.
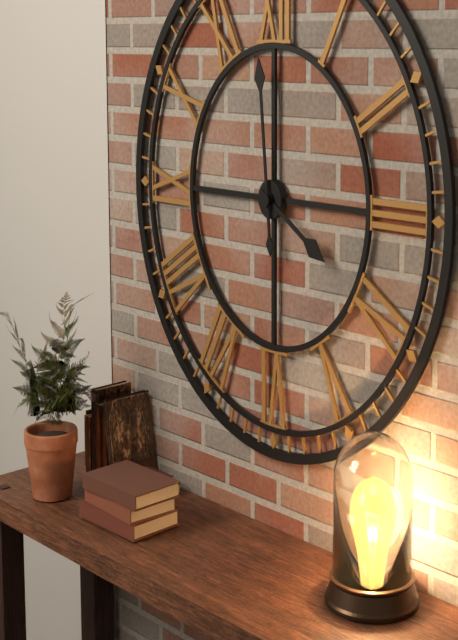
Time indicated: {"hour": 3, "minute": 59}
